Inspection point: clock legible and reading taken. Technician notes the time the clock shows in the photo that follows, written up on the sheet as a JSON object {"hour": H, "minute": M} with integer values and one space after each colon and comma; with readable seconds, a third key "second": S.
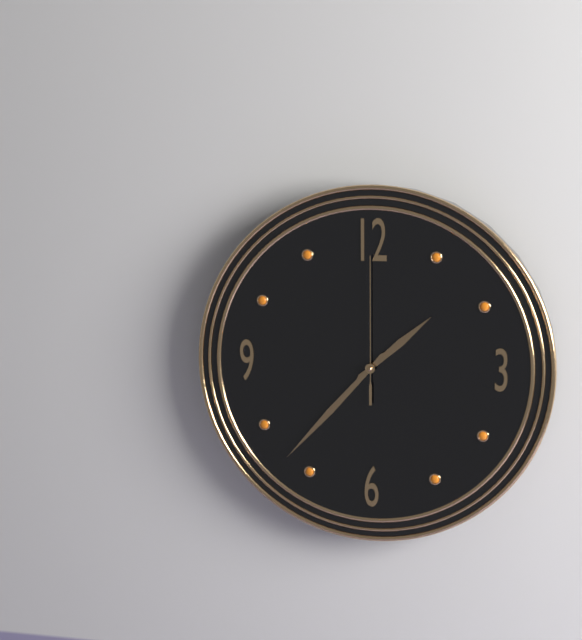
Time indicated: {"hour": 1, "minute": 37, "second": 0}
